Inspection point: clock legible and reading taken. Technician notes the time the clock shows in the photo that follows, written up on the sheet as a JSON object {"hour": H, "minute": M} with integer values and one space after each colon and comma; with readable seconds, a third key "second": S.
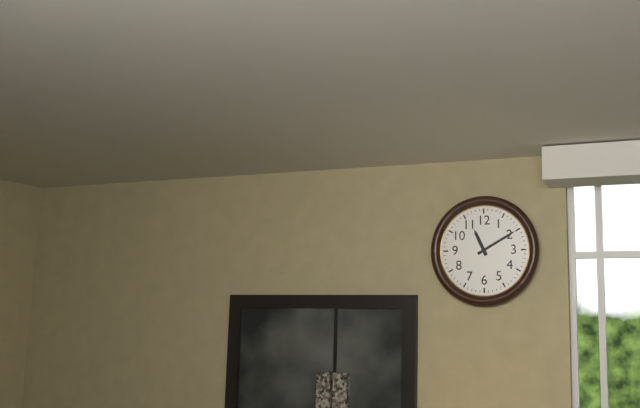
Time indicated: {"hour": 11, "minute": 10}
